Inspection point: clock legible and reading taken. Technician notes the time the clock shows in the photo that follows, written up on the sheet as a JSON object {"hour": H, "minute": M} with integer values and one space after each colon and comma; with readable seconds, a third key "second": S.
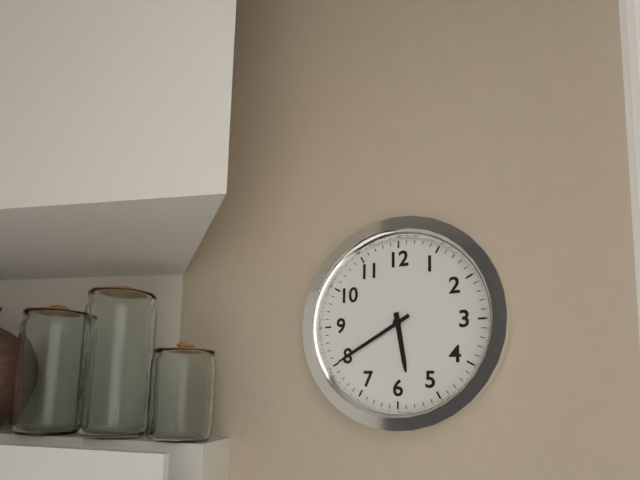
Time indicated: {"hour": 5, "minute": 40}
